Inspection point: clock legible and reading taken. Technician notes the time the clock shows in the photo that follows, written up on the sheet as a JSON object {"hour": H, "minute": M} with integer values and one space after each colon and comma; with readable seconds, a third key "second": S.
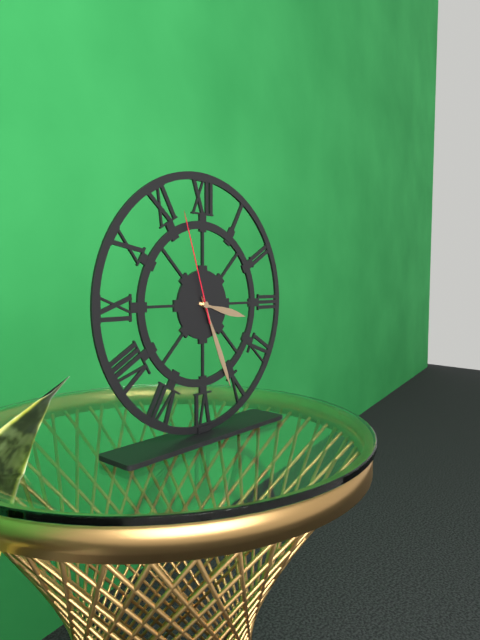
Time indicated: {"hour": 3, "minute": 26, "second": 57}
